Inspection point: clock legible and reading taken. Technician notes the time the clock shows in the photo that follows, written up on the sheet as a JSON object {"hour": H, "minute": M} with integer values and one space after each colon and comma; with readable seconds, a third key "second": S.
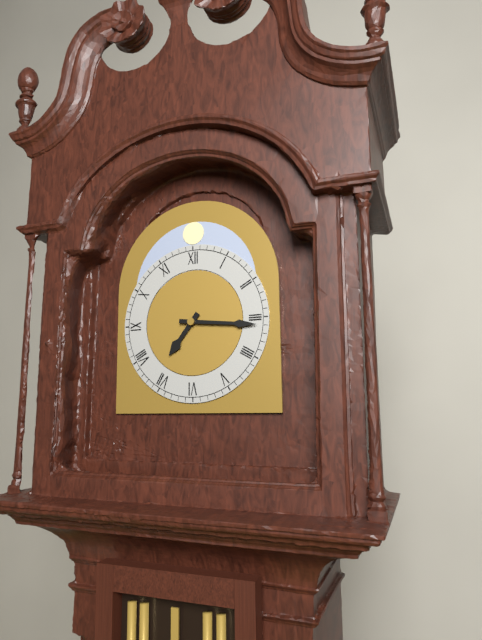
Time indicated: {"hour": 7, "minute": 16}
